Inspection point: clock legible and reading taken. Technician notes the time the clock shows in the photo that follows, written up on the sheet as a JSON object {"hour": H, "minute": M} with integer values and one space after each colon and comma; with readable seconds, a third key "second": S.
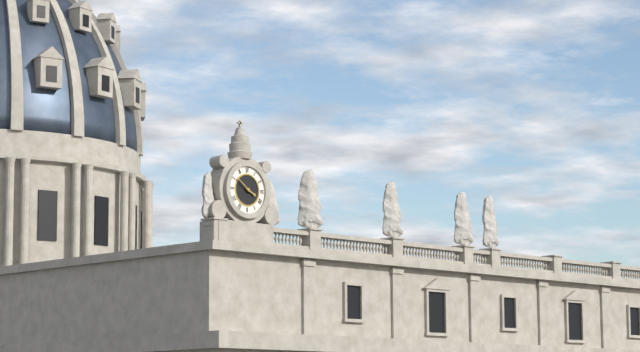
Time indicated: {"hour": 3, "minute": 51}
